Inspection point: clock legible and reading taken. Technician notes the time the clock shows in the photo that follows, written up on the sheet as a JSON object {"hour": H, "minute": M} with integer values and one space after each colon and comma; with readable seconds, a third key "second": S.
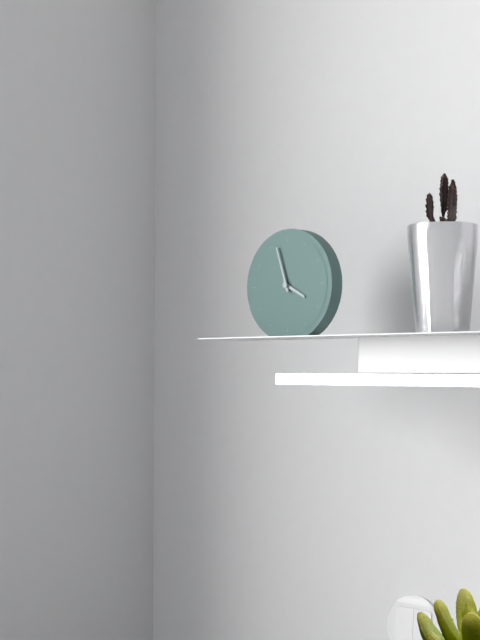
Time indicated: {"hour": 3, "minute": 57}
